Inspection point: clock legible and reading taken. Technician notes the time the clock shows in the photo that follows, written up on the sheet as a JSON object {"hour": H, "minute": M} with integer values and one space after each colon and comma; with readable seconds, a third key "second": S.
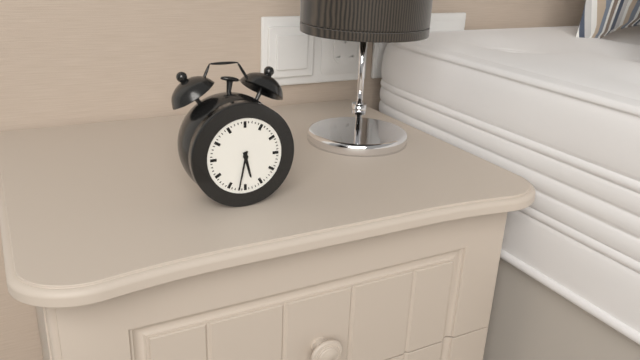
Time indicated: {"hour": 5, "minute": 32}
